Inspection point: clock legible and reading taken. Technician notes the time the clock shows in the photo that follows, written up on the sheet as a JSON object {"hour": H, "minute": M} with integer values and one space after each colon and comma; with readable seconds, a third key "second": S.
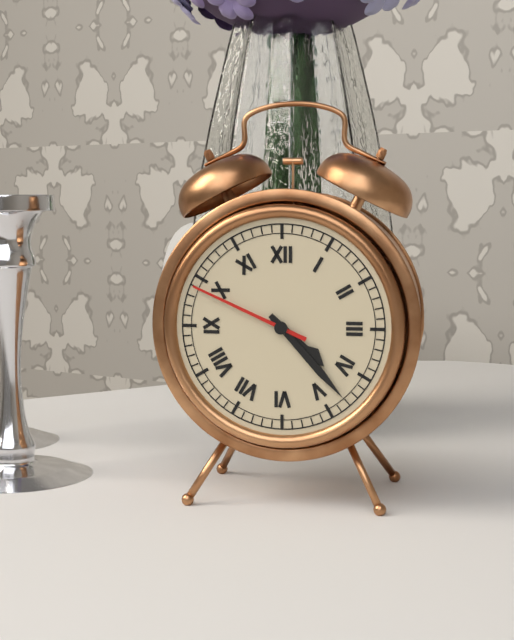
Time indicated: {"hour": 4, "minute": 23, "second": 49}
